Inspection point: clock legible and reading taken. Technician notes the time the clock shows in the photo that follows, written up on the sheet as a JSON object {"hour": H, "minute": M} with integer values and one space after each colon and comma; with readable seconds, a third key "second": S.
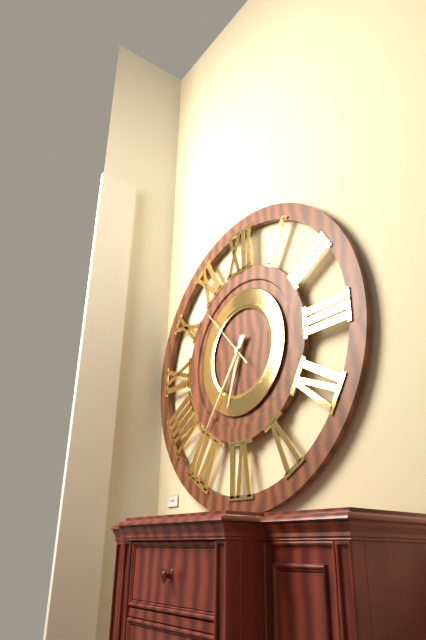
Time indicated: {"hour": 6, "minute": 36, "second": 53}
